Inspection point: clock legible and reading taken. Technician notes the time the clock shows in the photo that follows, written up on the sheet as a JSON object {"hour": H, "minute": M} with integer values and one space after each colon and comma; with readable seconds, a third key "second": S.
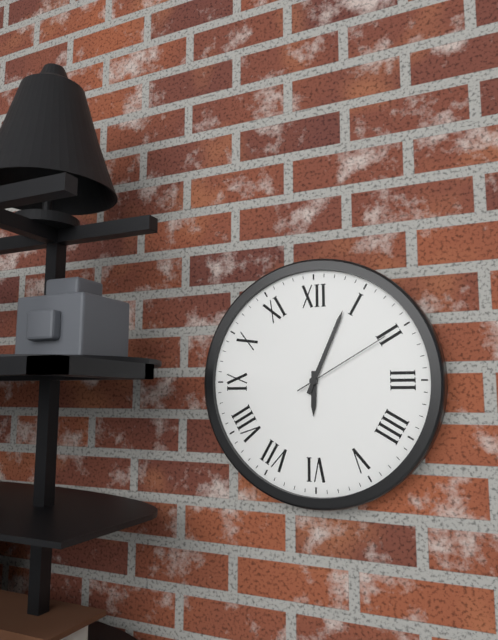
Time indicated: {"hour": 6, "minute": 4, "second": 10}
